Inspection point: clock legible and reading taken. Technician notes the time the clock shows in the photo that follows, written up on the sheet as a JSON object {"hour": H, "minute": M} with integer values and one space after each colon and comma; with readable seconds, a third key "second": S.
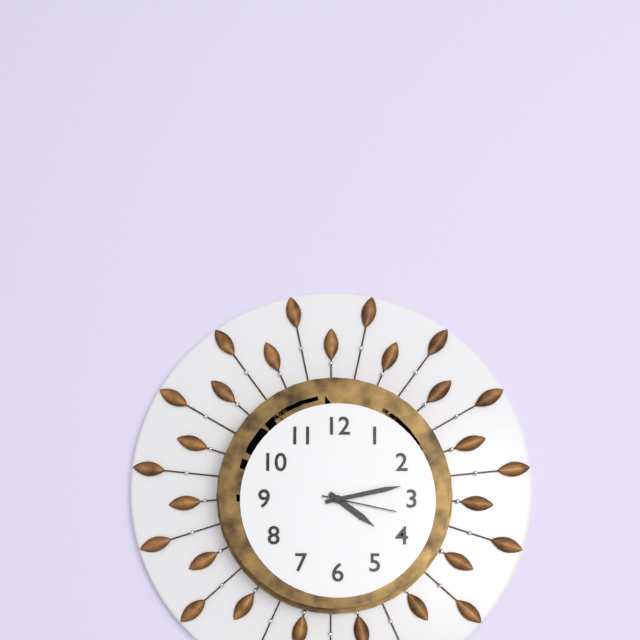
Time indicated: {"hour": 4, "minute": 13, "second": 17}
